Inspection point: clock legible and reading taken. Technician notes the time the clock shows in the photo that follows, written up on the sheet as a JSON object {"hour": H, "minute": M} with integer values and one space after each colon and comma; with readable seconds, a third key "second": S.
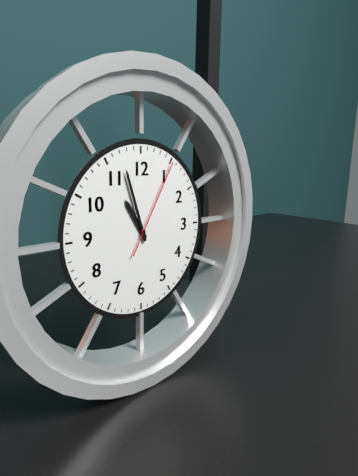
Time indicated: {"hour": 10, "minute": 57, "second": 5}
